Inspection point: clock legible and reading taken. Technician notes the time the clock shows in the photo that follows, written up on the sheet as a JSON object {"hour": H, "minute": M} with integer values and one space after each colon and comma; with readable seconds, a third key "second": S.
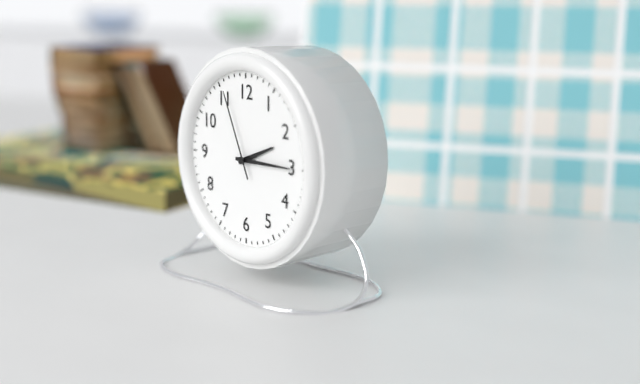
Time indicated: {"hour": 2, "minute": 15, "second": 56}
